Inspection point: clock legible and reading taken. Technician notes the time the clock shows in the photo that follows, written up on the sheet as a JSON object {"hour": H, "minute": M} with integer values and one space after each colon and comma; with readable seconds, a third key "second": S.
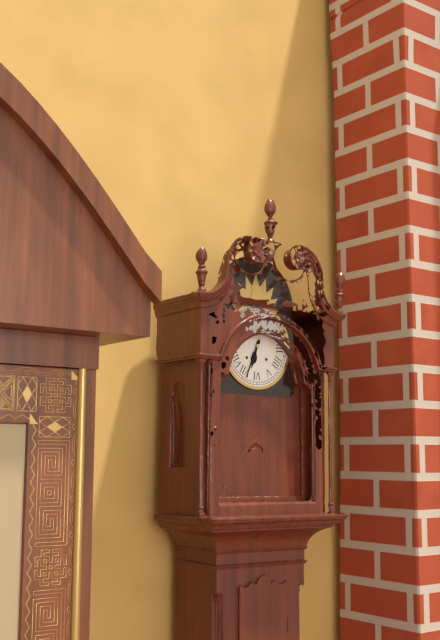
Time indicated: {"hour": 6, "minute": 34}
